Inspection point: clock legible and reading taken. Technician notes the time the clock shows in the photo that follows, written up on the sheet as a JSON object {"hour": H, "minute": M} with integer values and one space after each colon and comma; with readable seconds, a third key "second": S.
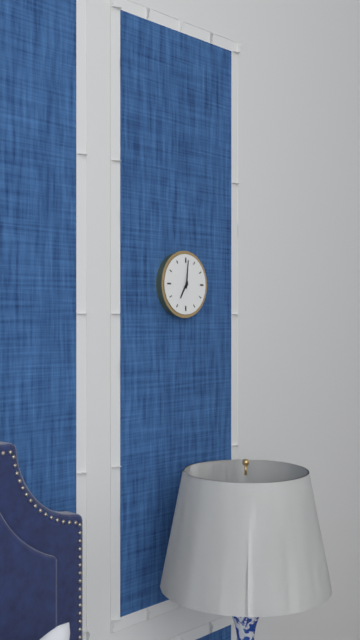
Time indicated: {"hour": 7, "minute": 1}
